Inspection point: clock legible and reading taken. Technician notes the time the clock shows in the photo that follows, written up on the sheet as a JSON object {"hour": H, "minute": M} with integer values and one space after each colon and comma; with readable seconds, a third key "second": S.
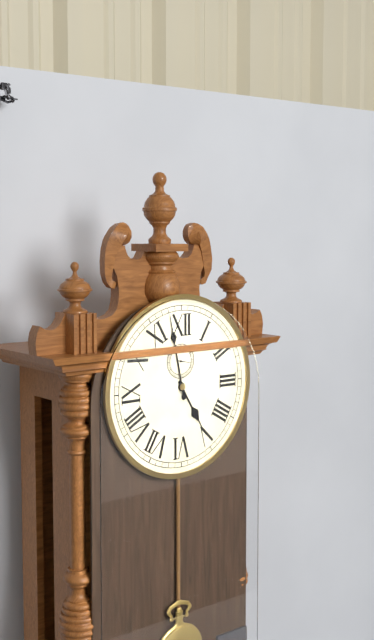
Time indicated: {"hour": 4, "minute": 58}
